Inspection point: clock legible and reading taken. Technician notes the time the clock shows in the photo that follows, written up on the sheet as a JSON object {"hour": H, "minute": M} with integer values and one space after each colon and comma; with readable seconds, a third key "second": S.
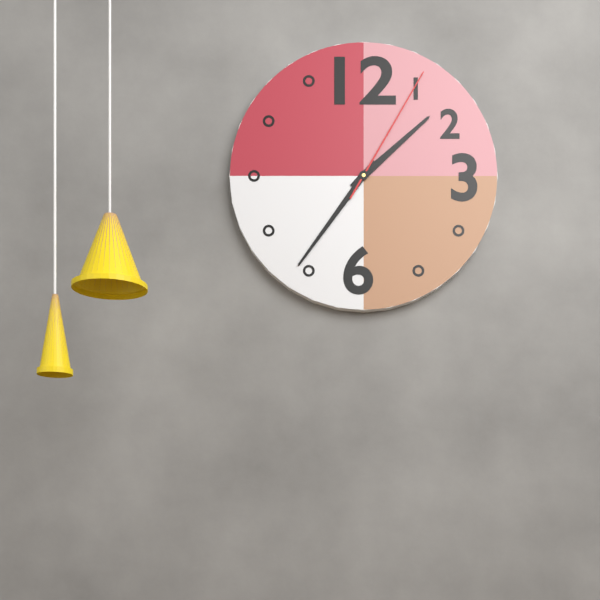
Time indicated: {"hour": 1, "minute": 36, "second": 5}
